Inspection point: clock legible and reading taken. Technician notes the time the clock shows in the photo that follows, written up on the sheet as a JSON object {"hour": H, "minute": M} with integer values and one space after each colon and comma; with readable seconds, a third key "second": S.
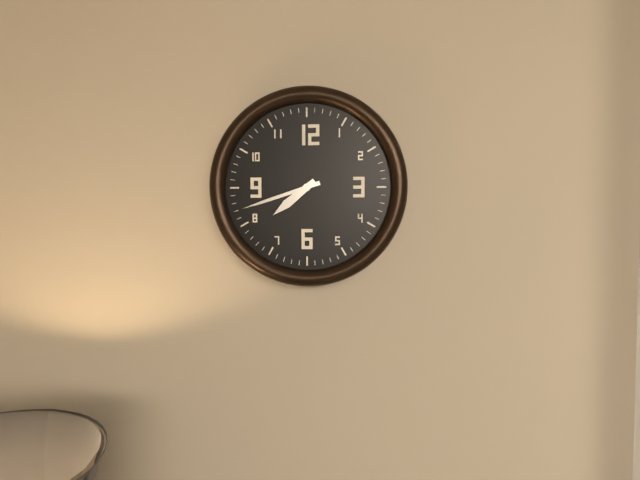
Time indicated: {"hour": 7, "minute": 42}
